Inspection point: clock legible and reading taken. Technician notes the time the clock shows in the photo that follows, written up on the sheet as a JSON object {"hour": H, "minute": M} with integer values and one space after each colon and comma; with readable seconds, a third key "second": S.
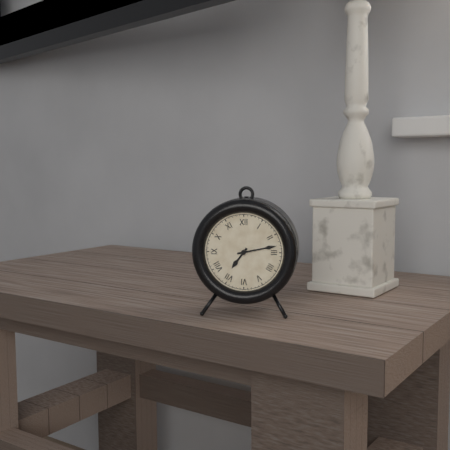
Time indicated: {"hour": 7, "minute": 13}
